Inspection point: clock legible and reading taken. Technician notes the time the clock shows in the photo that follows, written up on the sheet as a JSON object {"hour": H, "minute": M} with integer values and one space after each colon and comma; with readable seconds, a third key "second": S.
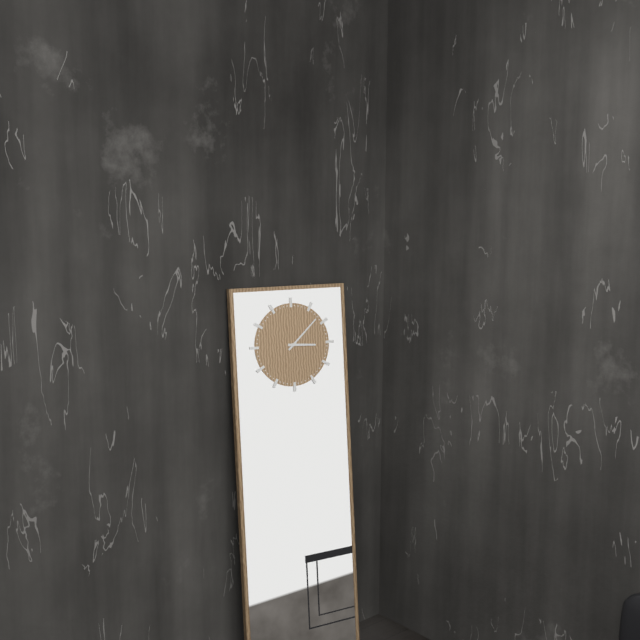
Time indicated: {"hour": 3, "minute": 8}
